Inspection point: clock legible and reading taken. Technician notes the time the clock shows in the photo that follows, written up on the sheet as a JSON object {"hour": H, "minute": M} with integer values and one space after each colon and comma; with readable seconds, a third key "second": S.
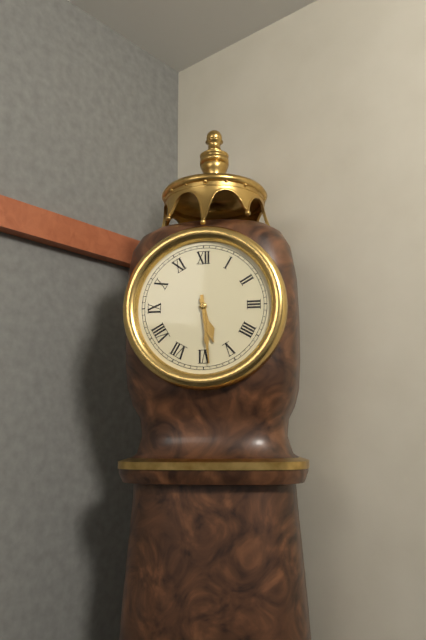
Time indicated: {"hour": 5, "minute": 29}
